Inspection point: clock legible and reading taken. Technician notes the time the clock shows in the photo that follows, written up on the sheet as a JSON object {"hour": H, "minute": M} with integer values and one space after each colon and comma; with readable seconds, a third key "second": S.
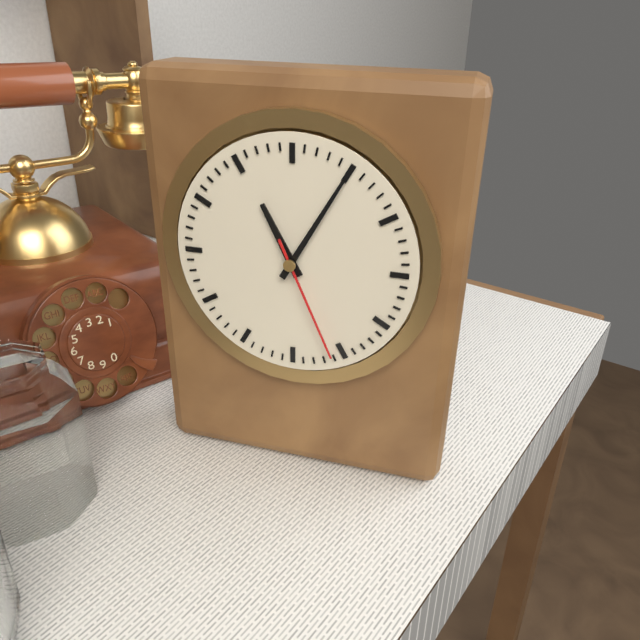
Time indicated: {"hour": 11, "minute": 5, "second": 26}
